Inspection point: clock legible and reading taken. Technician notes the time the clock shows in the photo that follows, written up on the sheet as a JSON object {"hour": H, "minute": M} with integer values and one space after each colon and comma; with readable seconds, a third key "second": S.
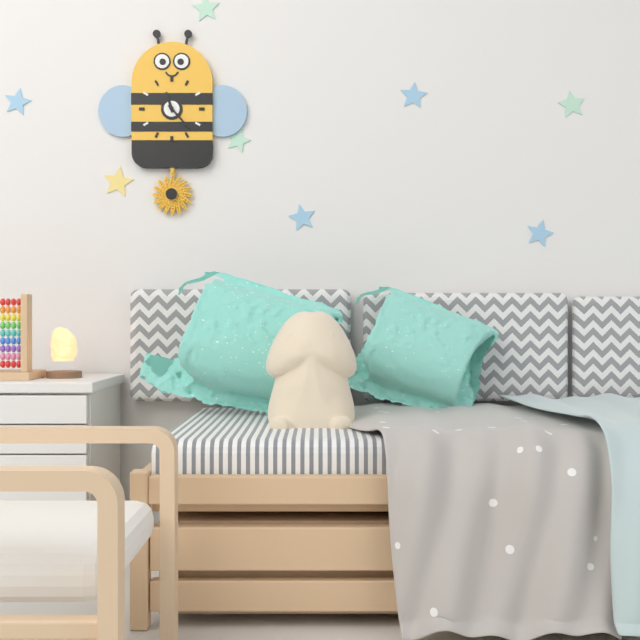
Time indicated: {"hour": 11, "minute": 23}
